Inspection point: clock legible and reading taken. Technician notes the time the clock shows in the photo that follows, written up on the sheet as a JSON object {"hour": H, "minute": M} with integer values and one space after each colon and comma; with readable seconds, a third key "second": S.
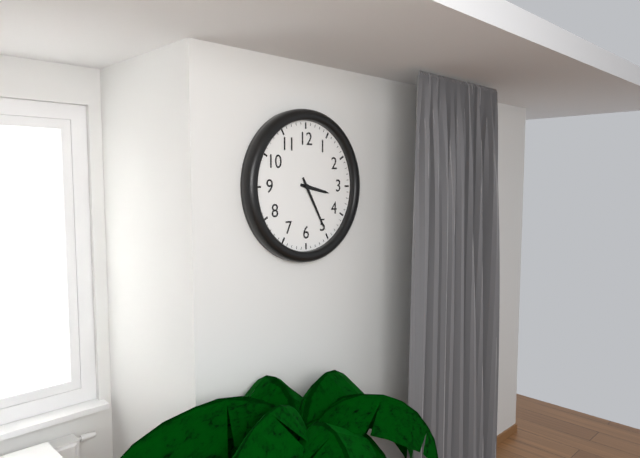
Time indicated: {"hour": 3, "minute": 25}
